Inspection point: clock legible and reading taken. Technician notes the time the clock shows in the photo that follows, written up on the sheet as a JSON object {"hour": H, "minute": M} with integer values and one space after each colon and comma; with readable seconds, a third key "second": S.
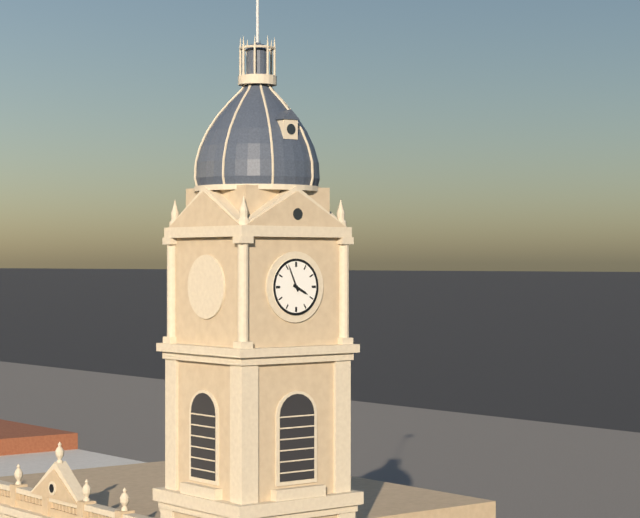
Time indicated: {"hour": 3, "minute": 56}
